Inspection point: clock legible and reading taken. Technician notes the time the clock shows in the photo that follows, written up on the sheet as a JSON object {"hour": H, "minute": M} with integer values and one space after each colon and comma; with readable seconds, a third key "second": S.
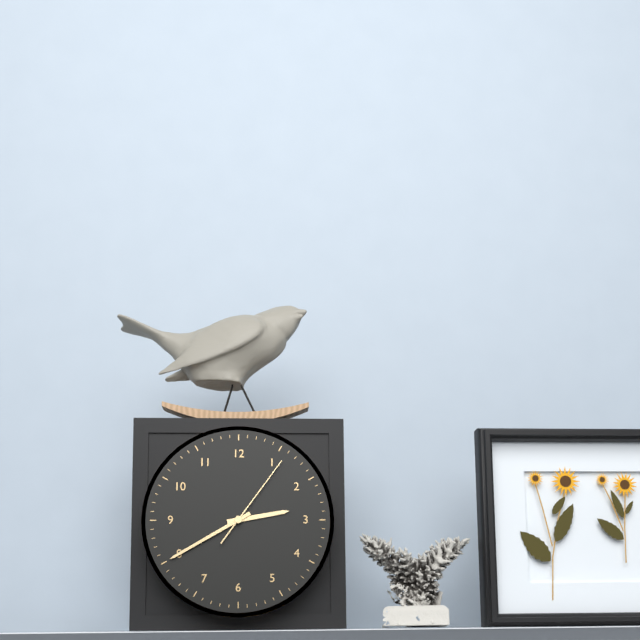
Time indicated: {"hour": 2, "minute": 40, "second": 6}
